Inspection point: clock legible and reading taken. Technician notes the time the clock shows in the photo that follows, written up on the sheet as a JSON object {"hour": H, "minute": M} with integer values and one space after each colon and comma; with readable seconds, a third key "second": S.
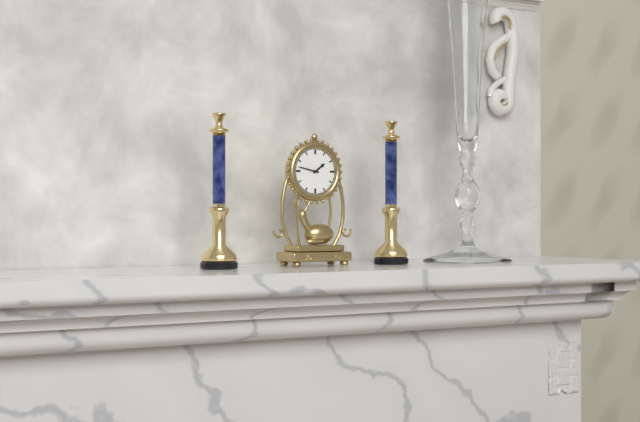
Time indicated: {"hour": 1, "minute": 47}
